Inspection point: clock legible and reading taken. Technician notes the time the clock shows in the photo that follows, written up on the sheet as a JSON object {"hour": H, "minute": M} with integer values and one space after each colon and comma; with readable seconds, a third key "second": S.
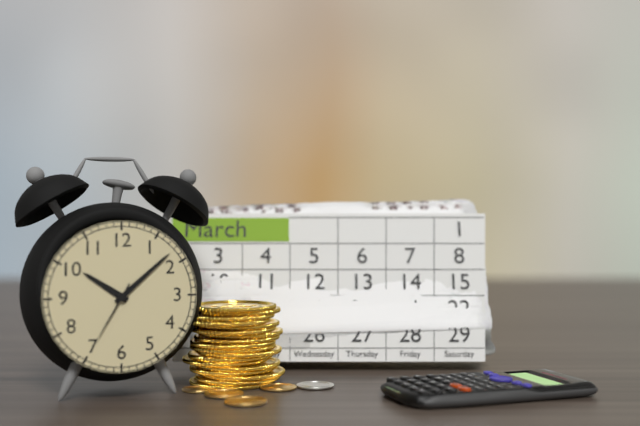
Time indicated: {"hour": 10, "minute": 8, "second": 35}
